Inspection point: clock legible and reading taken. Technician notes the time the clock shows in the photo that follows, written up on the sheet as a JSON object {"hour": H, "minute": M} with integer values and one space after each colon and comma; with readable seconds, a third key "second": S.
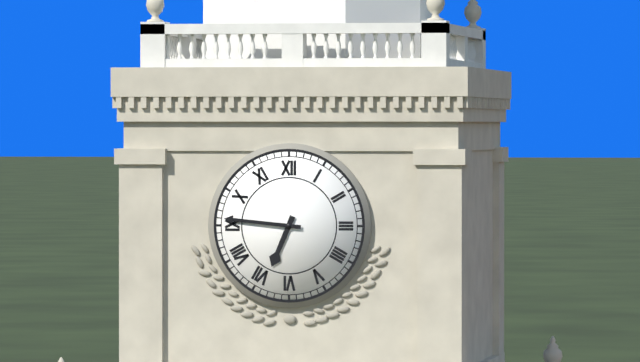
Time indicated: {"hour": 6, "minute": 46}
